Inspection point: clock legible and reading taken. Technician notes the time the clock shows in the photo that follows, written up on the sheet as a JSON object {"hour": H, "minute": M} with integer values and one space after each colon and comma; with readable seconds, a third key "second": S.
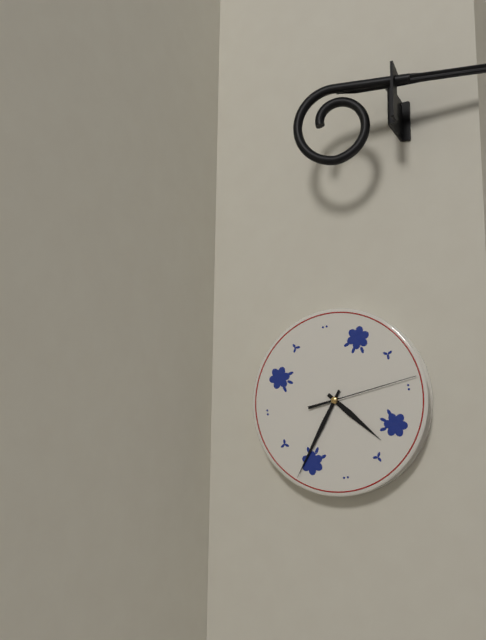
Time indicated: {"hour": 4, "minute": 36, "second": 14}
